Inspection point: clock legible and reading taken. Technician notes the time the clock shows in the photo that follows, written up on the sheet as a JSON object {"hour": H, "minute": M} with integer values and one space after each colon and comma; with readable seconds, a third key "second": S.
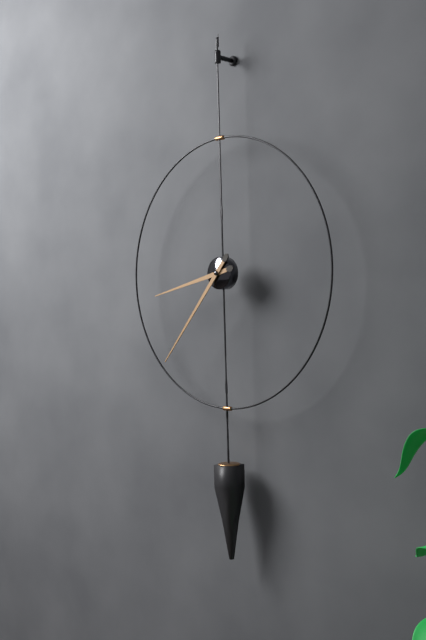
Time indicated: {"hour": 8, "minute": 37}
